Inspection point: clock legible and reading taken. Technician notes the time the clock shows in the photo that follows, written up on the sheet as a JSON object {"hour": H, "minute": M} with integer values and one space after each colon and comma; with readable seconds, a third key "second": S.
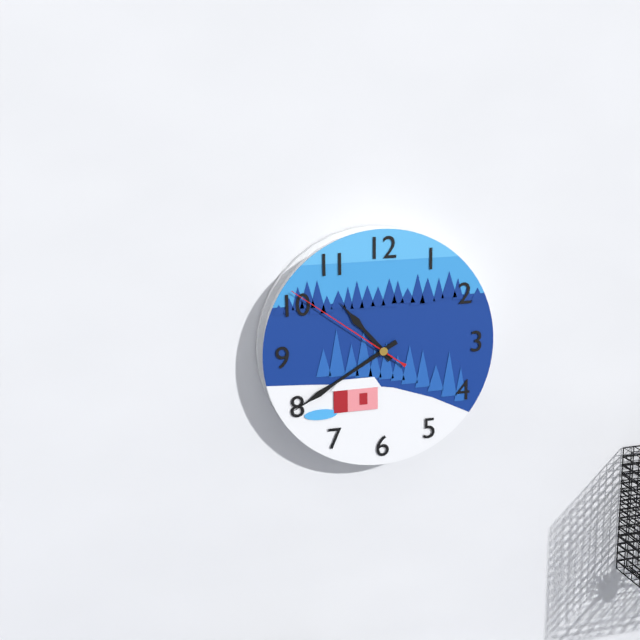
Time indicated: {"hour": 10, "minute": 40, "second": 51}
